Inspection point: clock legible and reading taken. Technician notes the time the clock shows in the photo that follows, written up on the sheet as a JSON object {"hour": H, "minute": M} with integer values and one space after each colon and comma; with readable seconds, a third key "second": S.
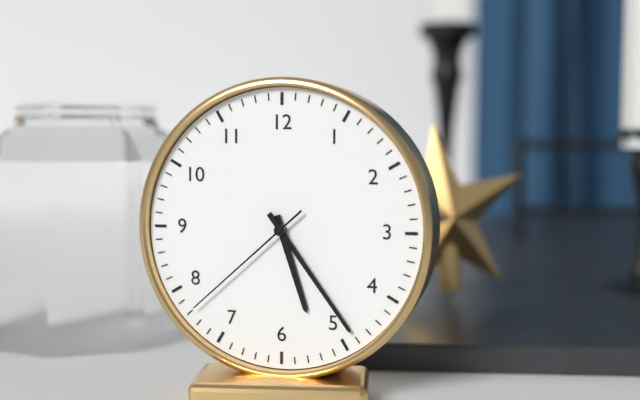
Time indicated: {"hour": 5, "minute": 24, "second": 38}
